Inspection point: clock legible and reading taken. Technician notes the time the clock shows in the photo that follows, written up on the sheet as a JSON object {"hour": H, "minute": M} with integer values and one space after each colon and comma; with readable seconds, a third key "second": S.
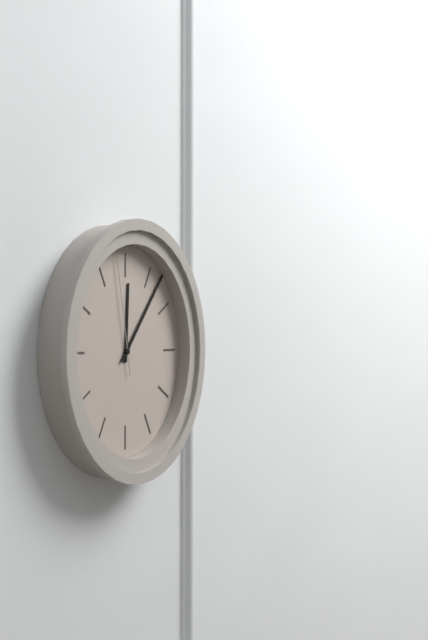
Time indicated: {"hour": 12, "minute": 7, "second": 58}
